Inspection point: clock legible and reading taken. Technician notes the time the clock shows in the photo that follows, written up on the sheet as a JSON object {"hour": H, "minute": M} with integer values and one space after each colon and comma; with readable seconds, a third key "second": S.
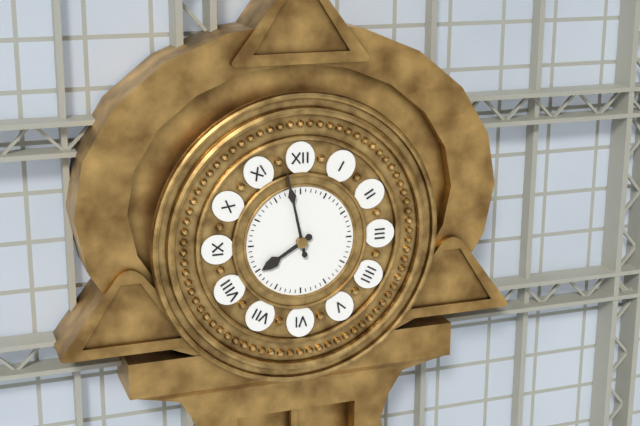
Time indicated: {"hour": 7, "minute": 58}
